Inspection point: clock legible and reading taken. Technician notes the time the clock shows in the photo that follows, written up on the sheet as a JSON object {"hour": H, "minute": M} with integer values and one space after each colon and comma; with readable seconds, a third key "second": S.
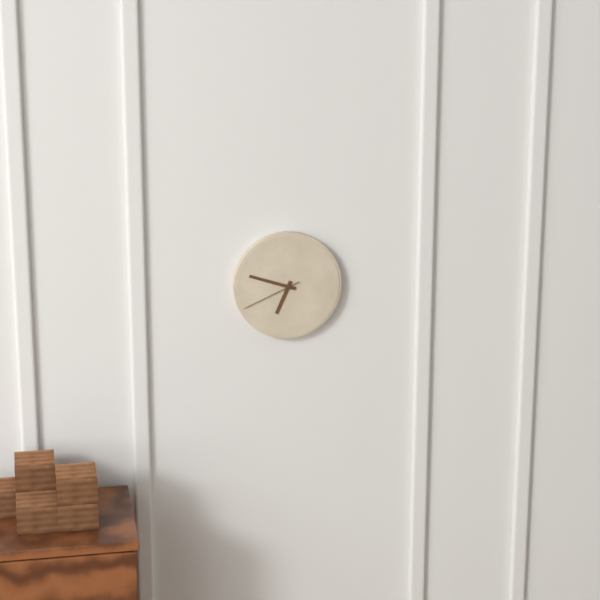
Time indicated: {"hour": 6, "minute": 48, "second": 41}
